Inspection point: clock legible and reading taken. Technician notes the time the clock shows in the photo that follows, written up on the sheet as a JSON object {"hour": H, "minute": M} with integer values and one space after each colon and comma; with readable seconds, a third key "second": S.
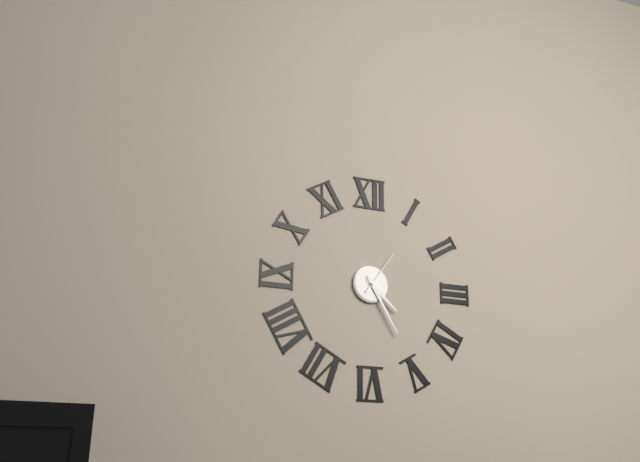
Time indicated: {"hour": 4, "minute": 25, "second": 6}
